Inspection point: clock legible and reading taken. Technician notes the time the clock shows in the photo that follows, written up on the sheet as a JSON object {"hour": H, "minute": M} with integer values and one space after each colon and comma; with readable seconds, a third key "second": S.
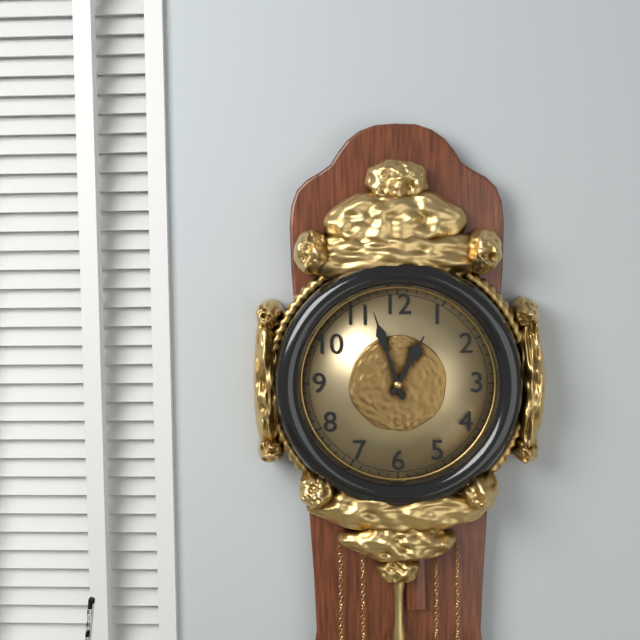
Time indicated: {"hour": 12, "minute": 57}
